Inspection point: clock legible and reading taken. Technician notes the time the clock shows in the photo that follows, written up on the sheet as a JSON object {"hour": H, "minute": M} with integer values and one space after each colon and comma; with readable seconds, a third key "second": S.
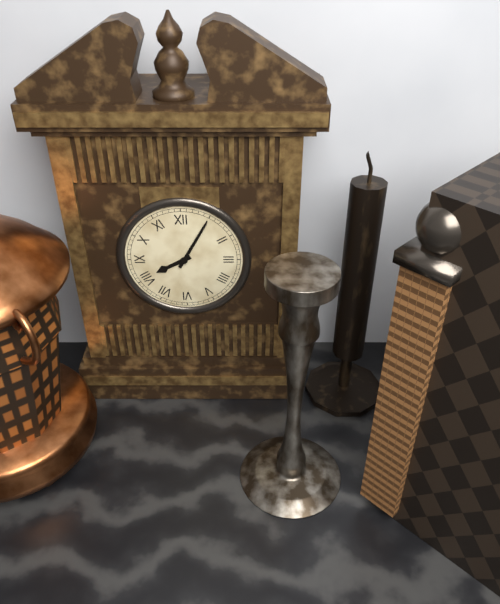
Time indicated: {"hour": 8, "minute": 5}
